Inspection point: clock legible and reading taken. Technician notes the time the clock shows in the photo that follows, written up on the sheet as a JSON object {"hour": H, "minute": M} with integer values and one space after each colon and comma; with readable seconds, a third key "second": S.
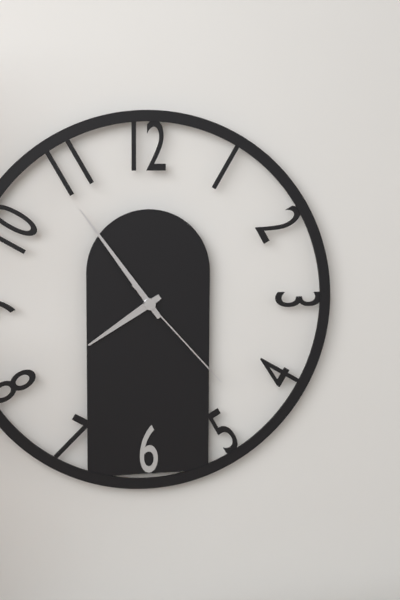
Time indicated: {"hour": 7, "minute": 54, "second": 23}
